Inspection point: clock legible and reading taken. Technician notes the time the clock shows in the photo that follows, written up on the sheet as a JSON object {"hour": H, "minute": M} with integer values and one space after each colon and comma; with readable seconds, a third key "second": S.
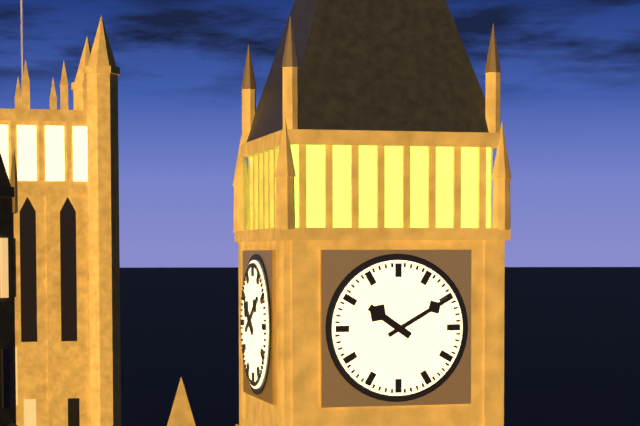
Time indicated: {"hour": 10, "minute": 10}
